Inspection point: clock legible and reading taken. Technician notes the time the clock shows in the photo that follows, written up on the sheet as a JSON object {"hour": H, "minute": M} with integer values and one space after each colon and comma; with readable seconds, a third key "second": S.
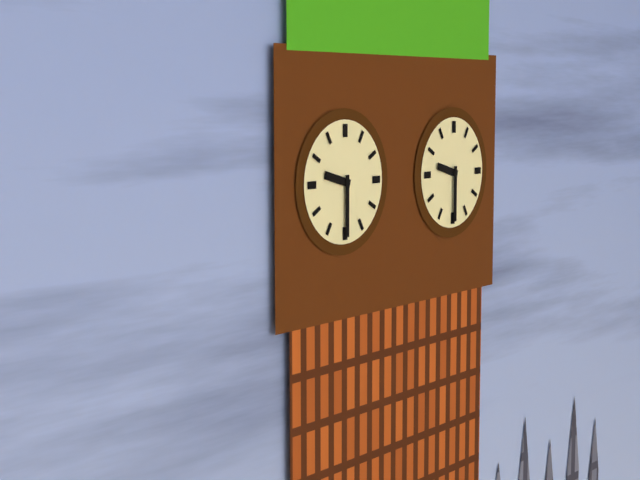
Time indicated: {"hour": 9, "minute": 30}
